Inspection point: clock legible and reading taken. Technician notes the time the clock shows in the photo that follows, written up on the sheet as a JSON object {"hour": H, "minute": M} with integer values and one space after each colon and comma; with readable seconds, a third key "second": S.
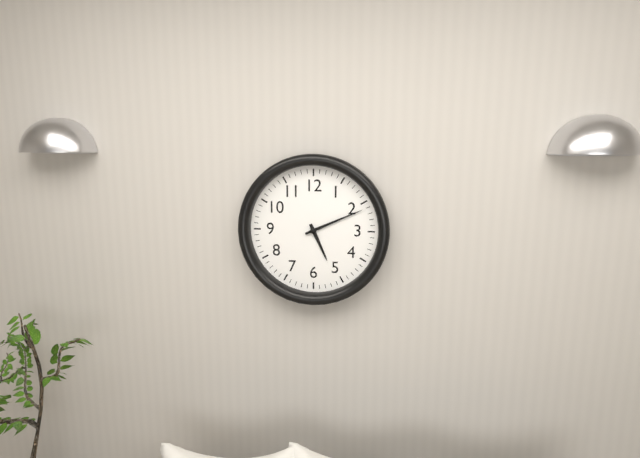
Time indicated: {"hour": 5, "minute": 11}
